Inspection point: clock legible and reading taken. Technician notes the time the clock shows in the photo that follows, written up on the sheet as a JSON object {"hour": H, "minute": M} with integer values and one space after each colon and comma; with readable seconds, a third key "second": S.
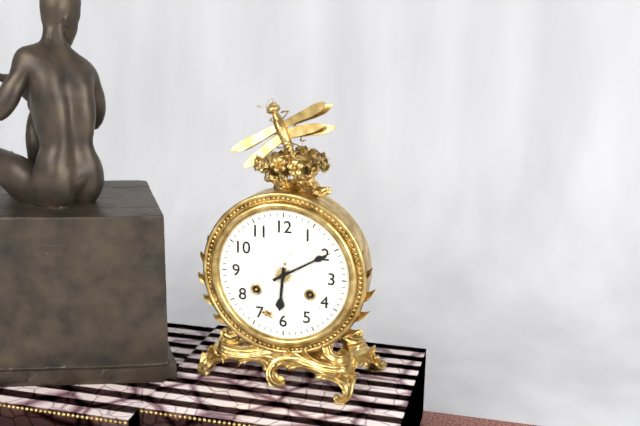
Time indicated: {"hour": 6, "minute": 10}
